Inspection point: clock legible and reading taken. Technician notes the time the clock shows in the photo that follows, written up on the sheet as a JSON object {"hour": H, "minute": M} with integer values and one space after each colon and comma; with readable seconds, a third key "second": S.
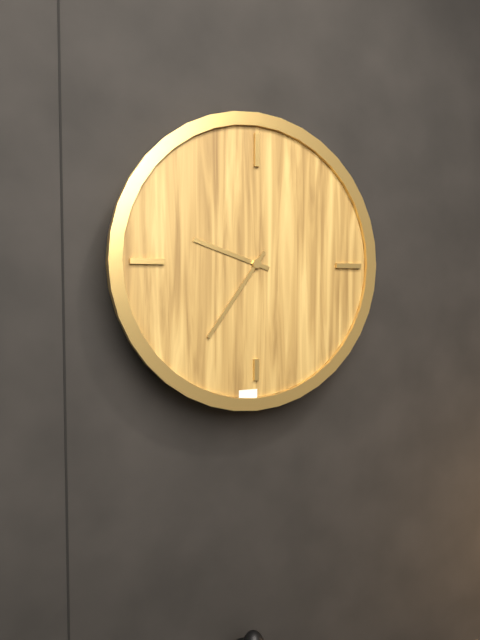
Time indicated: {"hour": 9, "minute": 36}
